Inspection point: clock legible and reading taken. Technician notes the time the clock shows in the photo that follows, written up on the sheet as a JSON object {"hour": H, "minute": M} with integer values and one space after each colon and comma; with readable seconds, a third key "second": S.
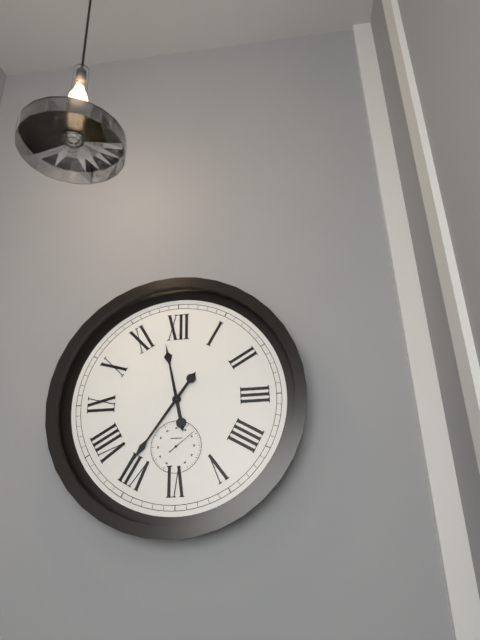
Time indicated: {"hour": 11, "minute": 36}
